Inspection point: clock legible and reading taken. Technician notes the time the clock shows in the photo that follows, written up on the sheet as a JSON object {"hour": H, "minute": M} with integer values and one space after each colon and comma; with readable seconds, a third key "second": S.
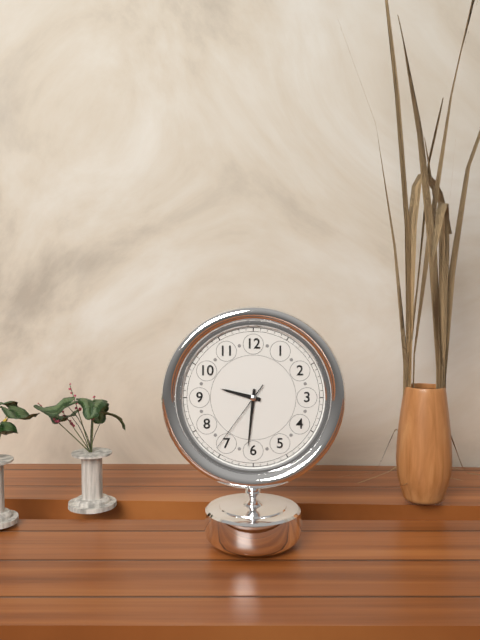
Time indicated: {"hour": 9, "minute": 31, "second": 36}
